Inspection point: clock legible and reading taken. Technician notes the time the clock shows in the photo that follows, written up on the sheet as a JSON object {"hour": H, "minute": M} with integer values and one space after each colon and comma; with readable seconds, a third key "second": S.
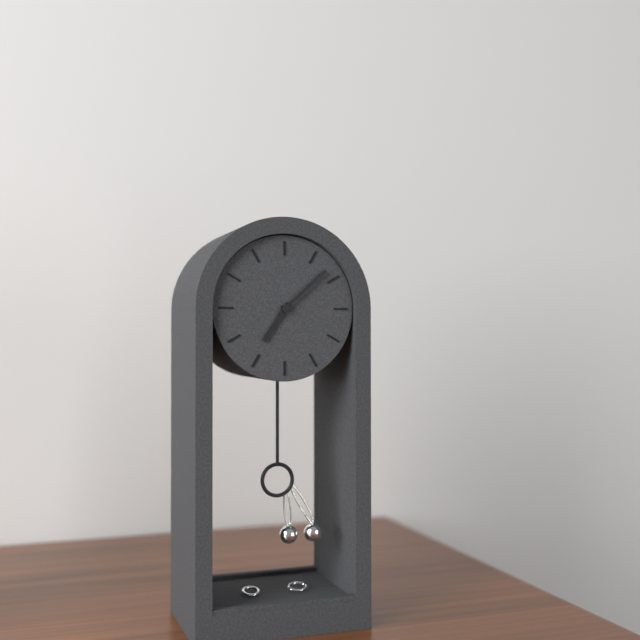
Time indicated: {"hour": 7, "minute": 8}
